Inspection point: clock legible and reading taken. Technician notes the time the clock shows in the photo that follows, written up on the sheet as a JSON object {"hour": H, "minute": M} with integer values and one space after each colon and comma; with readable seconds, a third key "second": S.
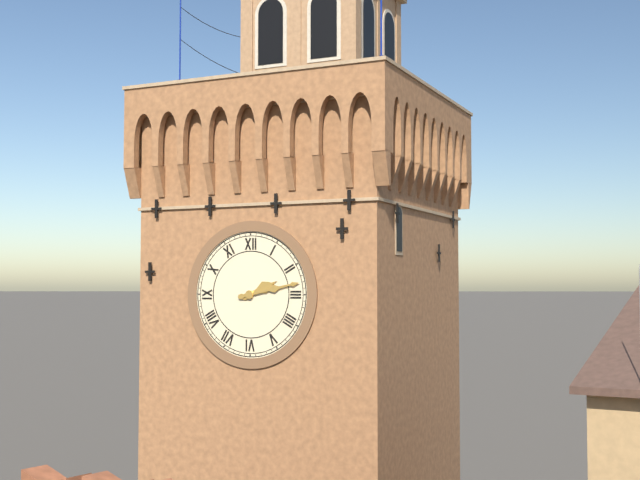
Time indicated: {"hour": 2, "minute": 13}
